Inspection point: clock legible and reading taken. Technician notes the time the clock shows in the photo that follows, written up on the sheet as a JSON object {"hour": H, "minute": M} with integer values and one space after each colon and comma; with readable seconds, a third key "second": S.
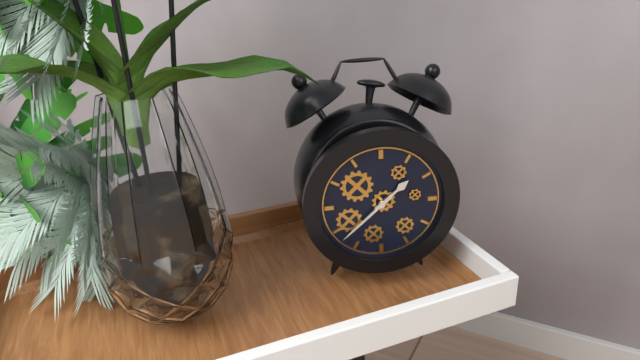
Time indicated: {"hour": 1, "minute": 38}
